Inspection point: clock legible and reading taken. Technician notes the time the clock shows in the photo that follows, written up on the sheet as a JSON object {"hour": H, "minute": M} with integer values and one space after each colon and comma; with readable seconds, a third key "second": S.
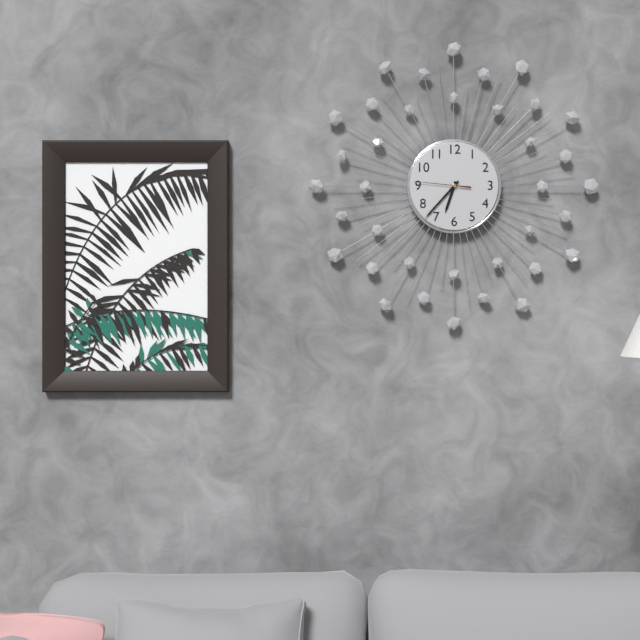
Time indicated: {"hour": 6, "minute": 37, "second": 46}
